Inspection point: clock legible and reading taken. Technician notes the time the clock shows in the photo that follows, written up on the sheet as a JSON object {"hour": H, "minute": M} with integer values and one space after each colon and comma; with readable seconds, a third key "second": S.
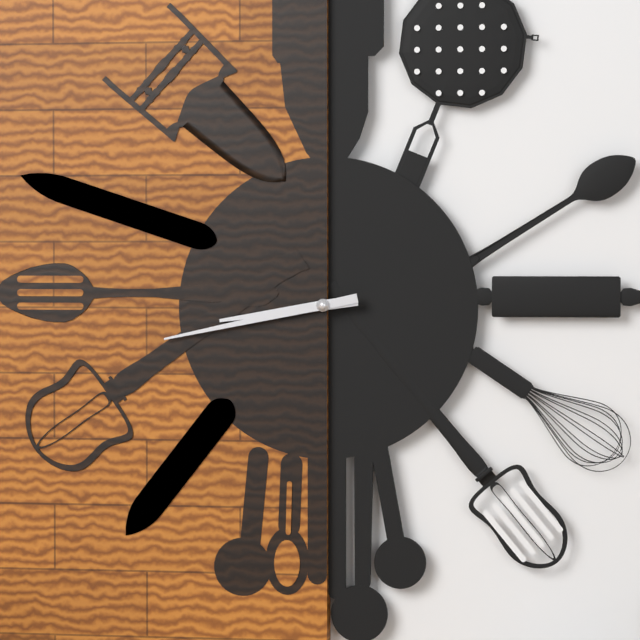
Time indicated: {"hour": 8, "minute": 43}
